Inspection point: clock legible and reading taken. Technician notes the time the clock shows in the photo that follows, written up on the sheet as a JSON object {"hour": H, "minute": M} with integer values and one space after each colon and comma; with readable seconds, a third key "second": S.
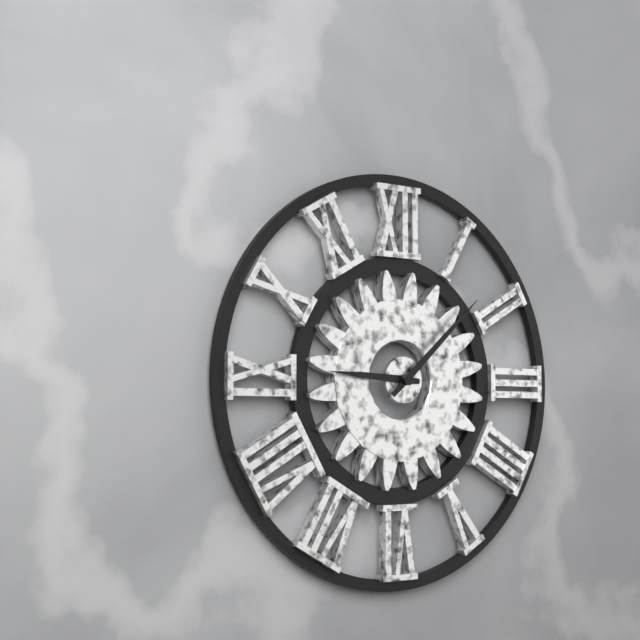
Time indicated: {"hour": 9, "minute": 8}
